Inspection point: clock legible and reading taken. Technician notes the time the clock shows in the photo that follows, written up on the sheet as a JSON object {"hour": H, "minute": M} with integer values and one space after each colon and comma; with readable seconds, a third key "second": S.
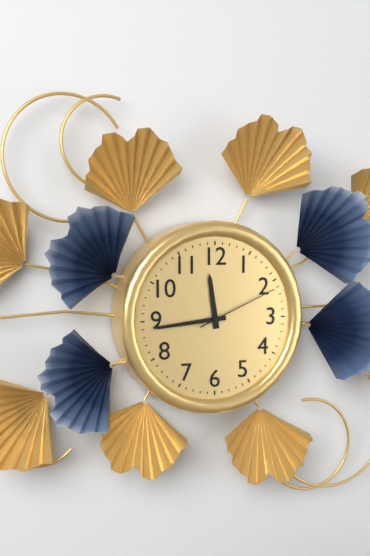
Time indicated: {"hour": 11, "minute": 44, "second": 11}
